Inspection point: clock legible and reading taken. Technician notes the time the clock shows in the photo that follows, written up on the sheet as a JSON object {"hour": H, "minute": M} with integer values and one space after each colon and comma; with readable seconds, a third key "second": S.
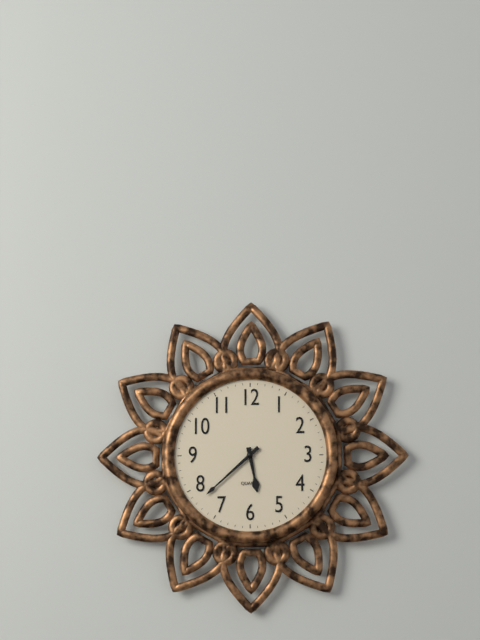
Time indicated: {"hour": 5, "minute": 38}
